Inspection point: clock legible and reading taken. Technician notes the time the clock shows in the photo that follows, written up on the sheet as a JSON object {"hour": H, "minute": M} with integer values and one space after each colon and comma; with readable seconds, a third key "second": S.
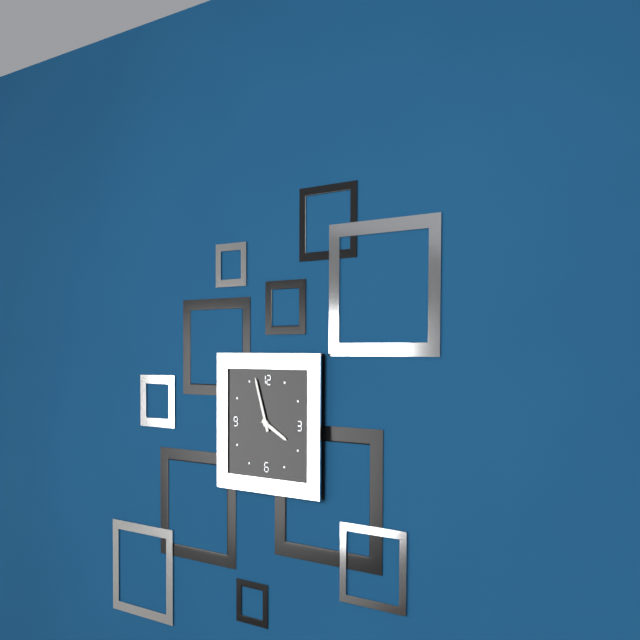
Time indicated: {"hour": 3, "minute": 57}
